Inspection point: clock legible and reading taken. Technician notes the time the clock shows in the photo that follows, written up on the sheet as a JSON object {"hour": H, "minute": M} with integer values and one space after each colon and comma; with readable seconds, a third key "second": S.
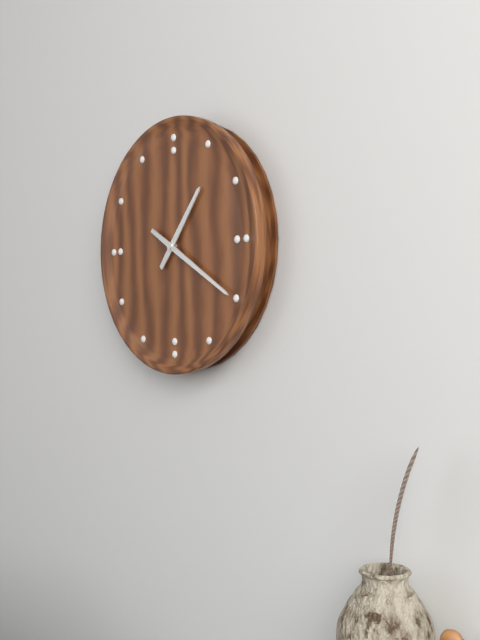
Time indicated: {"hour": 1, "minute": 20}
